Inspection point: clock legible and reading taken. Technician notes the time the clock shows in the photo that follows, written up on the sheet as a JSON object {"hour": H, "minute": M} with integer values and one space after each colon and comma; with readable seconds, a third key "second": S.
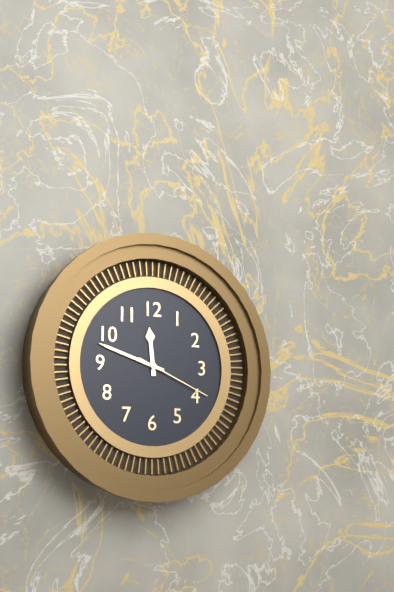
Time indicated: {"hour": 11, "minute": 48, "second": 19}
